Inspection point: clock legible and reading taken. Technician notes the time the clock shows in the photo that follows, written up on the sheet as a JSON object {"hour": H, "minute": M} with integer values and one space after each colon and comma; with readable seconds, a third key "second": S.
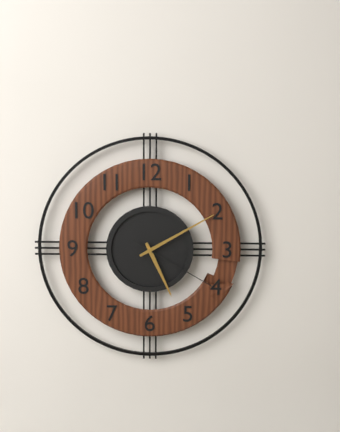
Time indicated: {"hour": 5, "minute": 10, "second": 20}
